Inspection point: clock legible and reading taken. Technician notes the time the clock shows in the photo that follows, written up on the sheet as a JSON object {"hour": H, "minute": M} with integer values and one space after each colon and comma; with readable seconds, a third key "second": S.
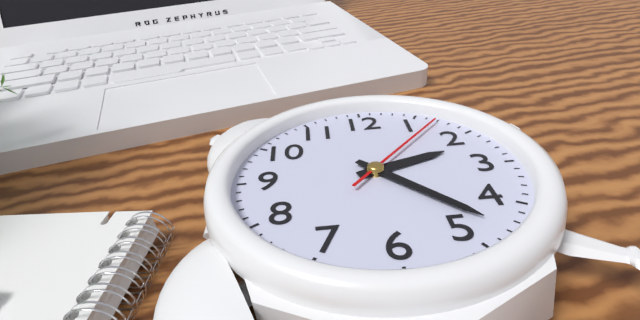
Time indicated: {"hour": 2, "minute": 23, "second": 7}
